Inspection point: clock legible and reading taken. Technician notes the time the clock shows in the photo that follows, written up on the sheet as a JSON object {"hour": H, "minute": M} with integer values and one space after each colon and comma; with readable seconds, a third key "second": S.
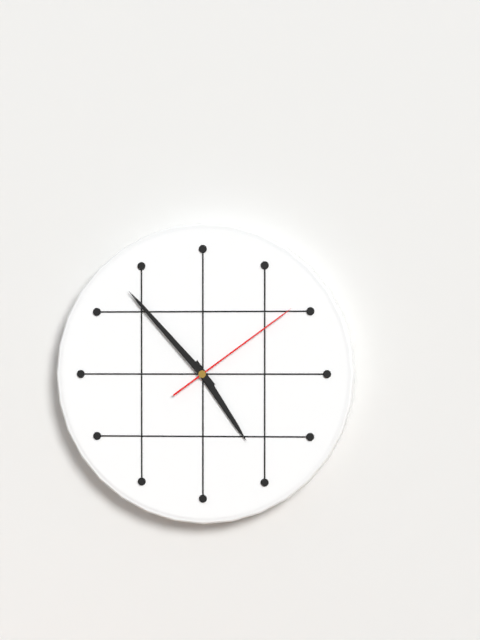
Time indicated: {"hour": 4, "minute": 53, "second": 9}
